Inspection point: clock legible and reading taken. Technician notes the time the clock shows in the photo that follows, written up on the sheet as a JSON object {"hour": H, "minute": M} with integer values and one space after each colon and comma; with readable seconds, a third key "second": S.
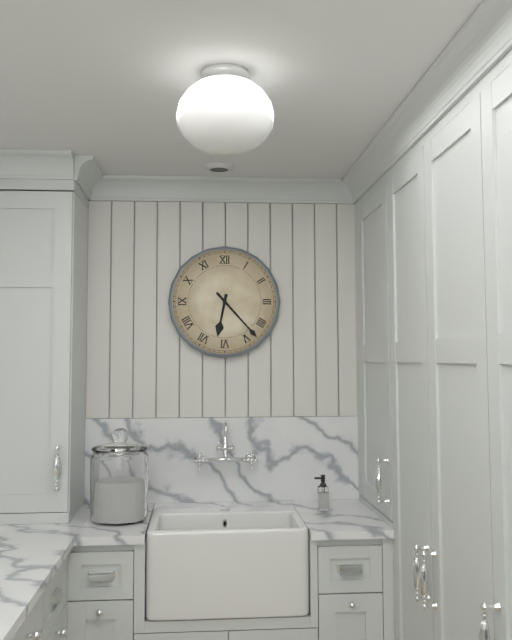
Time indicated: {"hour": 6, "minute": 23}
